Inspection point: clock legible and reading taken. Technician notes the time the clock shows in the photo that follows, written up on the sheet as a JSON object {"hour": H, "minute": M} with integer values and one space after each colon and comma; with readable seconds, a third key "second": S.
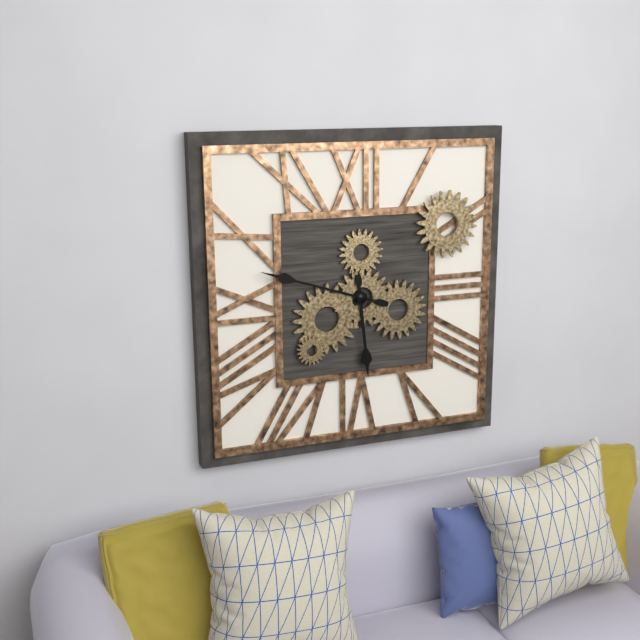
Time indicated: {"hour": 5, "minute": 48}
